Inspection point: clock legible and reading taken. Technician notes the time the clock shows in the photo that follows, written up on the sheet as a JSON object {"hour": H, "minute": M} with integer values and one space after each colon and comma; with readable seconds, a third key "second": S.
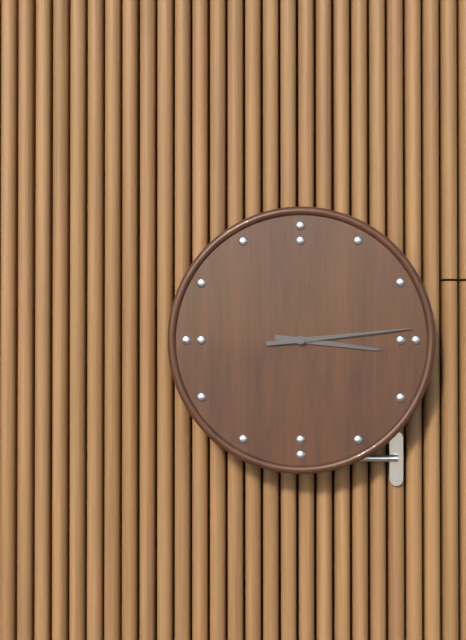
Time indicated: {"hour": 3, "minute": 14}
